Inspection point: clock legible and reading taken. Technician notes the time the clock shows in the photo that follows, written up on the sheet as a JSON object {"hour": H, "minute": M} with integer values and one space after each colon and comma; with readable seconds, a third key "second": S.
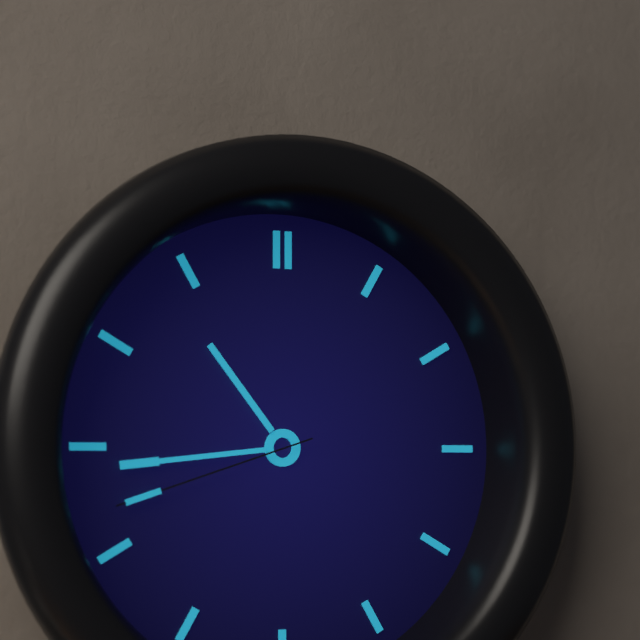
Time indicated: {"hour": 10, "minute": 44, "second": 42}
